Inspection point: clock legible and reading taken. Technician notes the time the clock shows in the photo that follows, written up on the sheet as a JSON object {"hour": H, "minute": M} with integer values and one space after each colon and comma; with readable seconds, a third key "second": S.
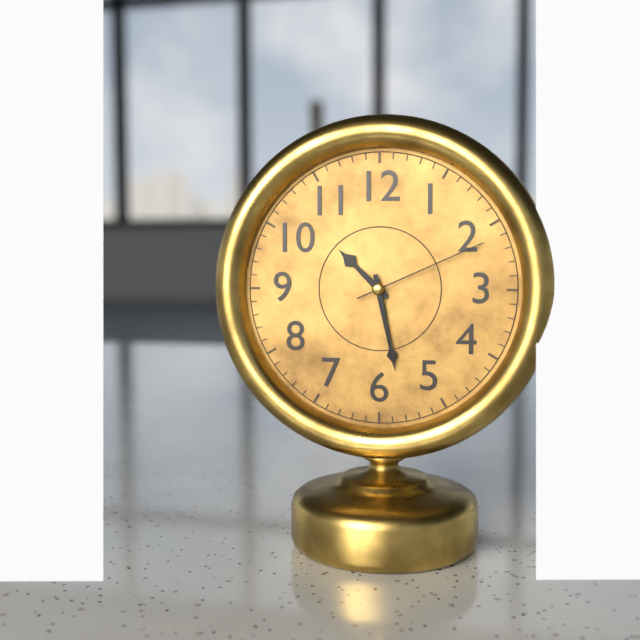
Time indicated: {"hour": 10, "minute": 28, "second": 11}
